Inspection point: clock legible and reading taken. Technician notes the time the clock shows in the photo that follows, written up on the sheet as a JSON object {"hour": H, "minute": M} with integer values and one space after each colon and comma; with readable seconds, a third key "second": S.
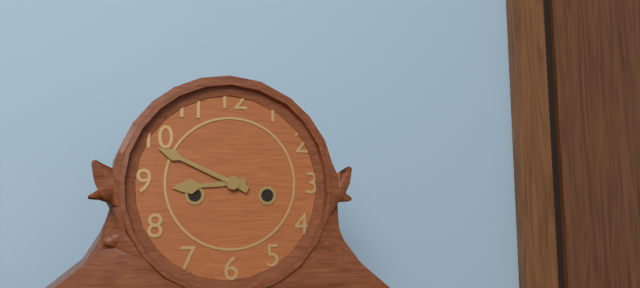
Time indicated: {"hour": 8, "minute": 49}
